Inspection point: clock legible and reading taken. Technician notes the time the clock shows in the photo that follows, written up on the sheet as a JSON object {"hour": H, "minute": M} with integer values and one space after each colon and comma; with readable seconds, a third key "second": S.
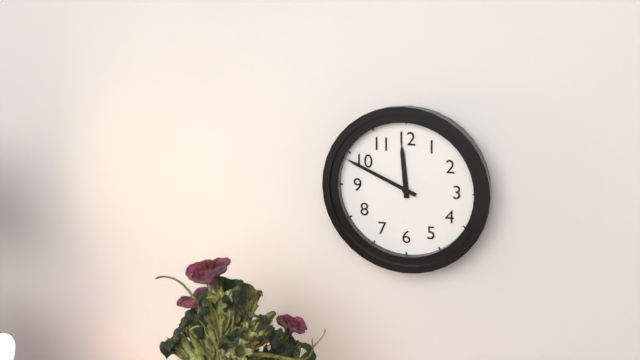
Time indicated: {"hour": 11, "minute": 49}
